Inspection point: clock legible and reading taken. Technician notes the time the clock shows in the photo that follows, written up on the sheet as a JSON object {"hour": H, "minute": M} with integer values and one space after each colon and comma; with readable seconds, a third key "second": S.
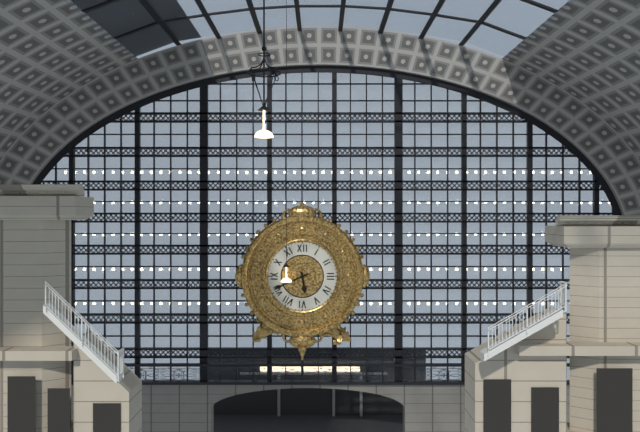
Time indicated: {"hour": 5, "minute": 41}
